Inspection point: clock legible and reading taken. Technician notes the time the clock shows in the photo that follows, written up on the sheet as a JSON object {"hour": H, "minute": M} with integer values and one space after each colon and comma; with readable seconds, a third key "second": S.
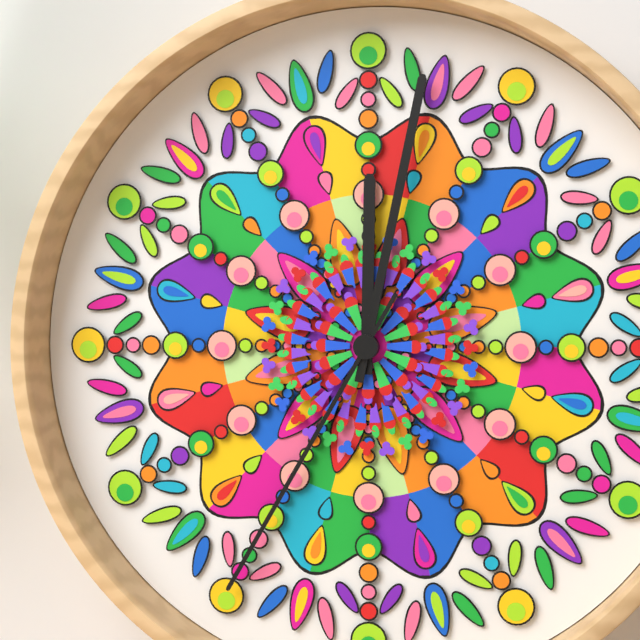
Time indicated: {"hour": 12, "minute": 2, "second": 35}
